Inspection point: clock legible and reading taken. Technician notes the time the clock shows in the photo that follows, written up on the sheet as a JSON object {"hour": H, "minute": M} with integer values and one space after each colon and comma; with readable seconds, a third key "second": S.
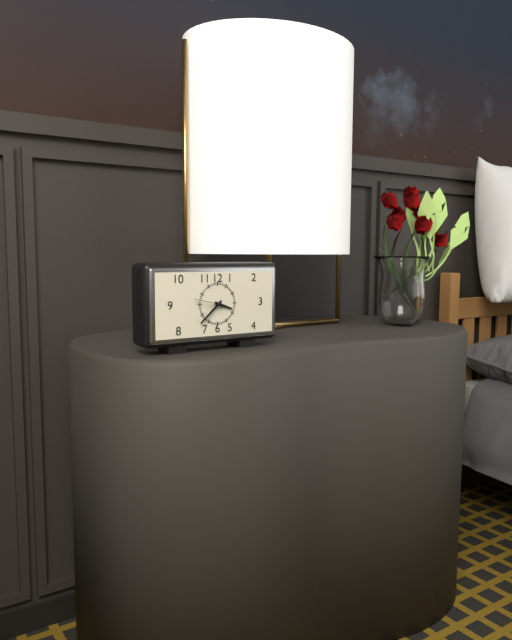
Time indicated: {"hour": 3, "minute": 38}
